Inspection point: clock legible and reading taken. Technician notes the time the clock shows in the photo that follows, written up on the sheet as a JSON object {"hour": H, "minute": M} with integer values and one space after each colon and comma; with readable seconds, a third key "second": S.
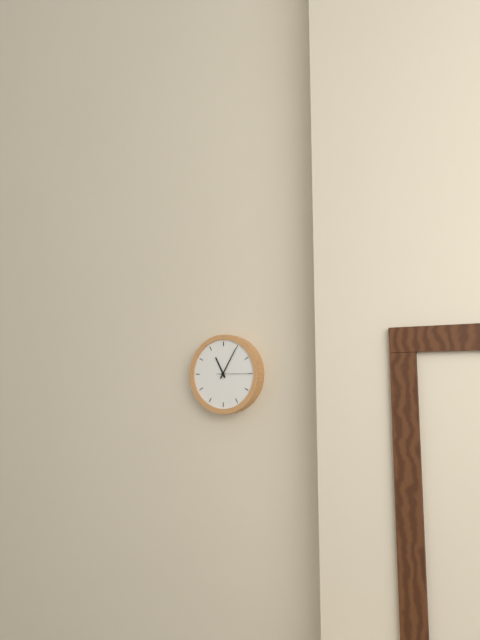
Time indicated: {"hour": 11, "minute": 5}
